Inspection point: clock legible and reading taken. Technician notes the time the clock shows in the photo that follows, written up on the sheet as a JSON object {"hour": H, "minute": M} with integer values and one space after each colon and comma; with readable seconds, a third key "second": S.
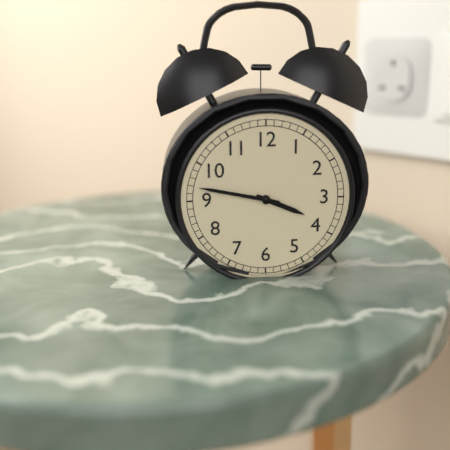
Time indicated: {"hour": 3, "minute": 47}
